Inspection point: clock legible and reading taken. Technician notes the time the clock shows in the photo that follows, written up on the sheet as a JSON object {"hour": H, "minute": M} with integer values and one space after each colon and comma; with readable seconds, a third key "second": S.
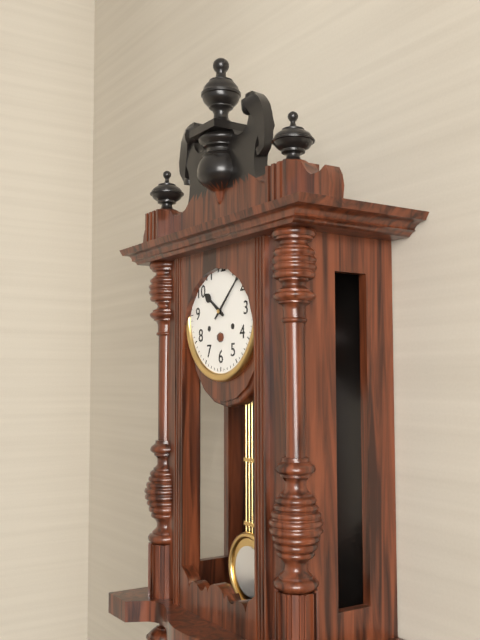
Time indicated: {"hour": 10, "minute": 8}
